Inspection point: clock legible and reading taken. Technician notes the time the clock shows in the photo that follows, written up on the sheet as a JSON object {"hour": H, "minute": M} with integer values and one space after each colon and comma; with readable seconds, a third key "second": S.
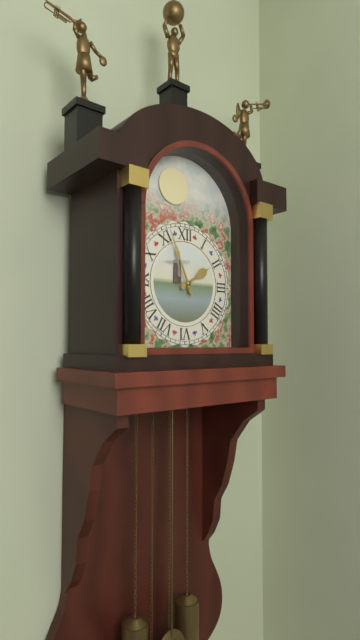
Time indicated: {"hour": 1, "minute": 56}
